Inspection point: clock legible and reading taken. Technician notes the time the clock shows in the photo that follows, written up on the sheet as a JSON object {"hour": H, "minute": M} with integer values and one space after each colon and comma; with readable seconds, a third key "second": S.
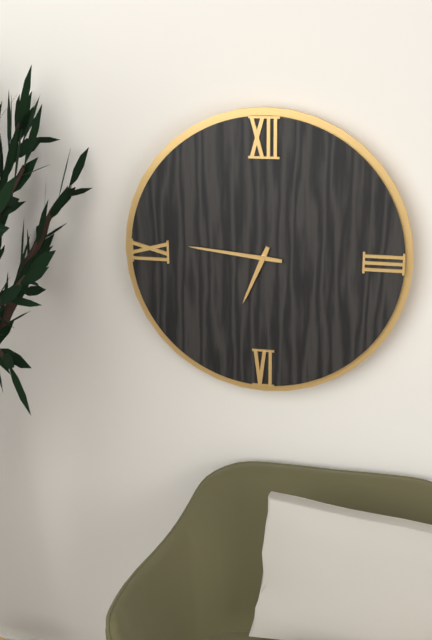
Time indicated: {"hour": 6, "minute": 46}
